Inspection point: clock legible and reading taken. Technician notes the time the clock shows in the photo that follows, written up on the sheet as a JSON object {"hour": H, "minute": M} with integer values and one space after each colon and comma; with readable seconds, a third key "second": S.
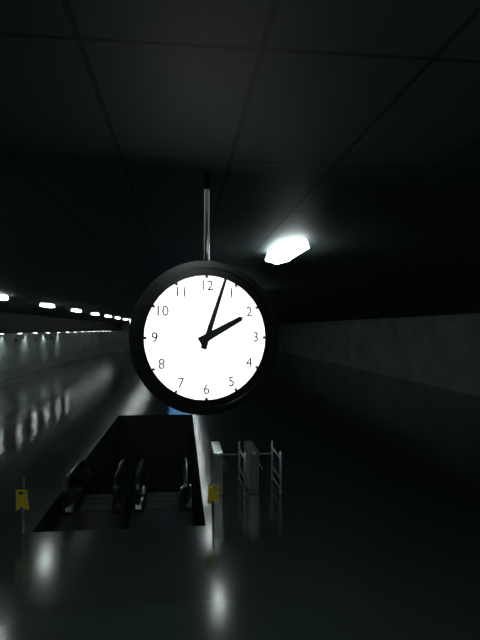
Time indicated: {"hour": 2, "minute": 3}
